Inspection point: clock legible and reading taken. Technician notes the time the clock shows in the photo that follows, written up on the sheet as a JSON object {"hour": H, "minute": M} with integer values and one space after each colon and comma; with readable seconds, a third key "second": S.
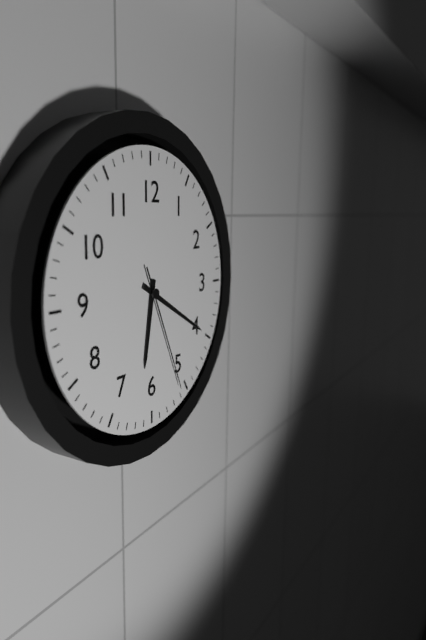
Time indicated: {"hour": 6, "minute": 20, "second": 26}
